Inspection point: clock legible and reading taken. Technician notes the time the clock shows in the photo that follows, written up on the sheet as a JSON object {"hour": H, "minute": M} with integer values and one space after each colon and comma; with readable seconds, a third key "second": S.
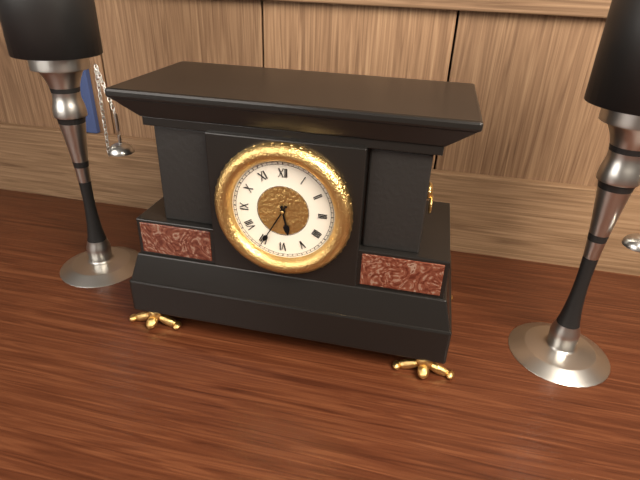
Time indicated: {"hour": 5, "minute": 35}
